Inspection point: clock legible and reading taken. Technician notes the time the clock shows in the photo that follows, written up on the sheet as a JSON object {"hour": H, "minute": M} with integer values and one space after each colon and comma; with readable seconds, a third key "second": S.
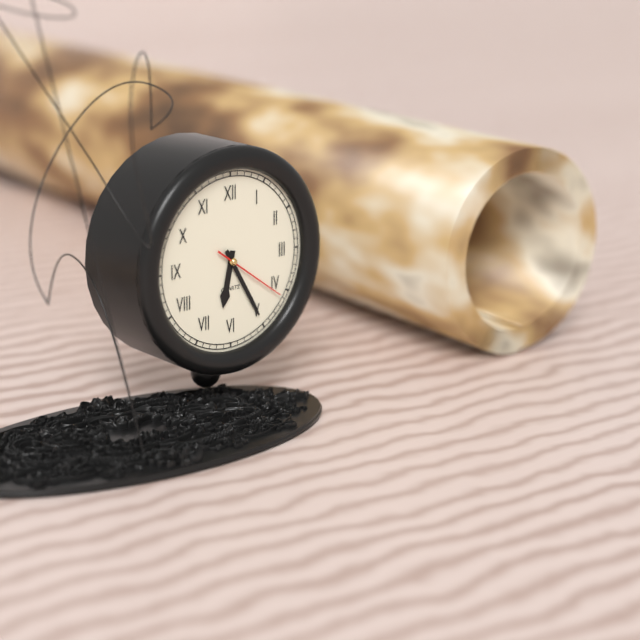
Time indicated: {"hour": 6, "minute": 25, "second": 21}
